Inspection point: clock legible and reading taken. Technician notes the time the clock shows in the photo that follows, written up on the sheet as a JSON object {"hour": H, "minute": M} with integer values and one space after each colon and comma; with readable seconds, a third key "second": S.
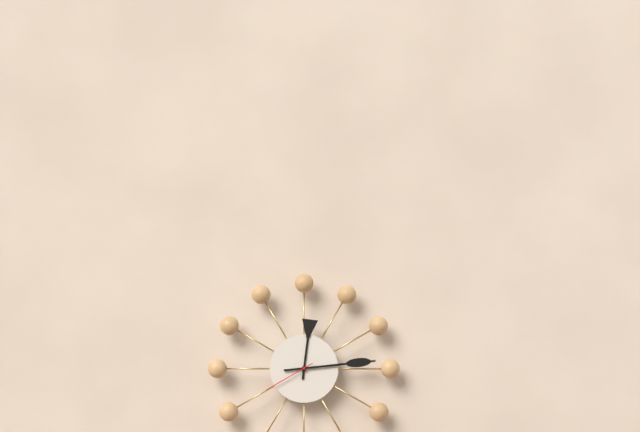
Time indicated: {"hour": 12, "minute": 14, "second": 40}
